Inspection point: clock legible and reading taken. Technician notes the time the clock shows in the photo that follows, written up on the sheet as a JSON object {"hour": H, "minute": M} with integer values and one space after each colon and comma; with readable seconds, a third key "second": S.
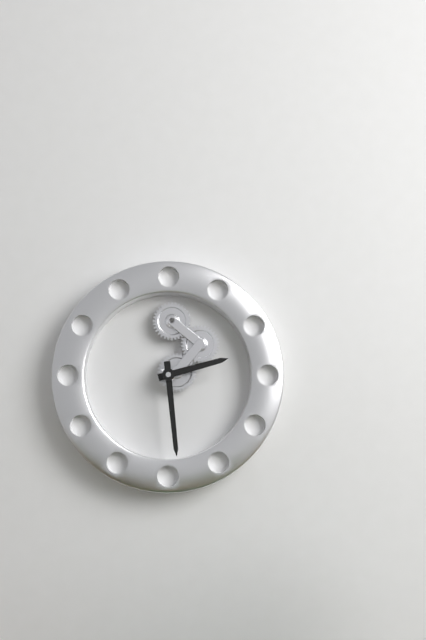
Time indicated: {"hour": 2, "minute": 29}
